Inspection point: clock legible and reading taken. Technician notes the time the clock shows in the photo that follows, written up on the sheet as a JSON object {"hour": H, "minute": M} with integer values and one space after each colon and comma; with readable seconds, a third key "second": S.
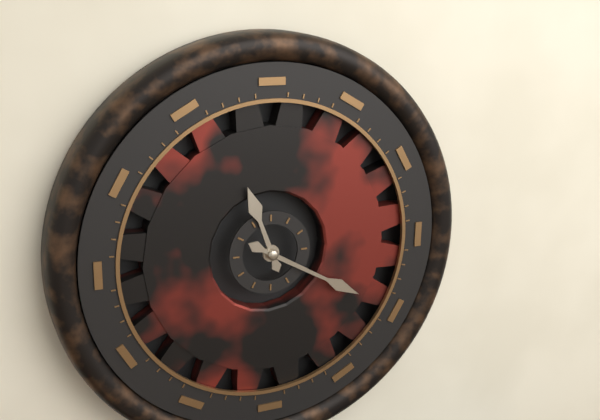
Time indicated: {"hour": 11, "minute": 20}
